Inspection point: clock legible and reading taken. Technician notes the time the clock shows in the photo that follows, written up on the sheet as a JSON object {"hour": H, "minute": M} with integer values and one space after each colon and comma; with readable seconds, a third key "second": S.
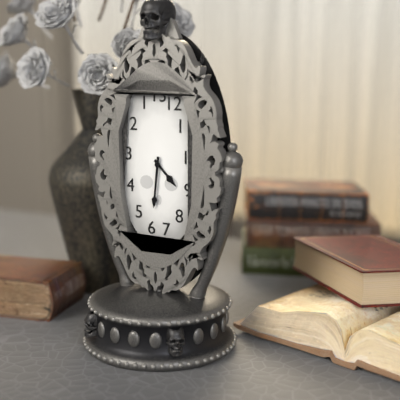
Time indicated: {"hour": 4, "minute": 31}
